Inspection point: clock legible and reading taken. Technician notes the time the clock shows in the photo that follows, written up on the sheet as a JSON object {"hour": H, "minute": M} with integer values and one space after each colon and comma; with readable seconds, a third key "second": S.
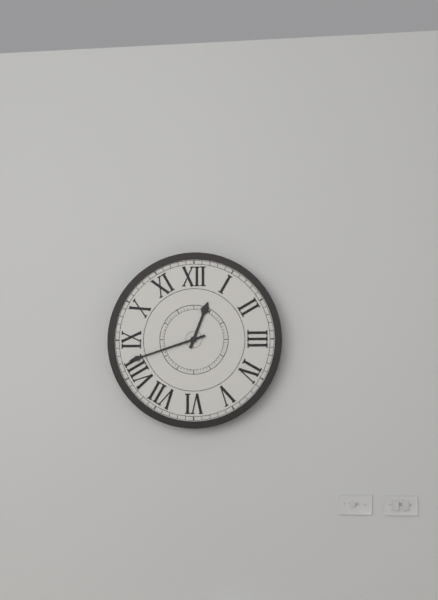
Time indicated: {"hour": 12, "minute": 42}
